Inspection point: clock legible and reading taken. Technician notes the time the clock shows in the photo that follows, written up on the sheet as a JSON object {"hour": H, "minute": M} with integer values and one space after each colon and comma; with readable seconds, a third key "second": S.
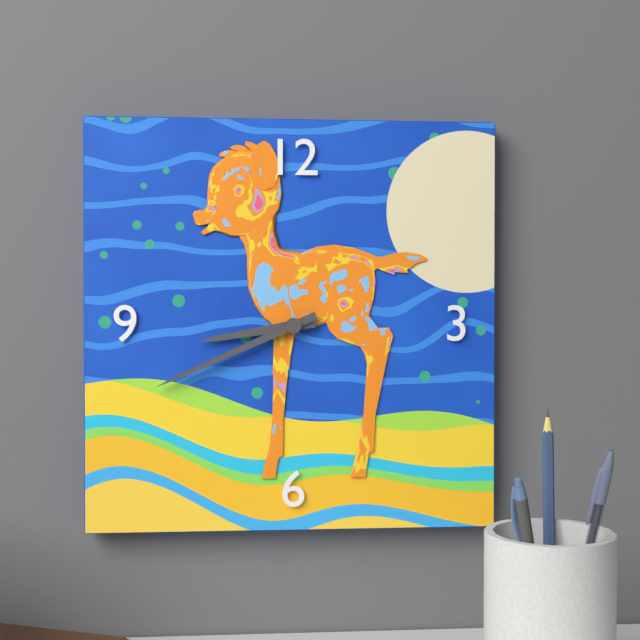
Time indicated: {"hour": 8, "minute": 41}
